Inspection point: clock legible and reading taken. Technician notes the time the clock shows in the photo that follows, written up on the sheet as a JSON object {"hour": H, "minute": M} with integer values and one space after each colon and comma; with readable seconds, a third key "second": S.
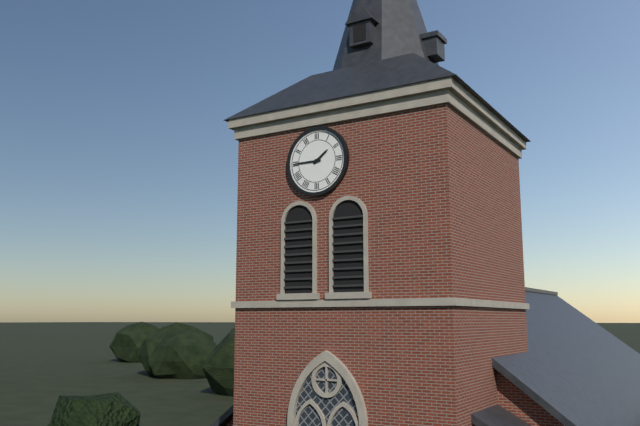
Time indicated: {"hour": 1, "minute": 45}
